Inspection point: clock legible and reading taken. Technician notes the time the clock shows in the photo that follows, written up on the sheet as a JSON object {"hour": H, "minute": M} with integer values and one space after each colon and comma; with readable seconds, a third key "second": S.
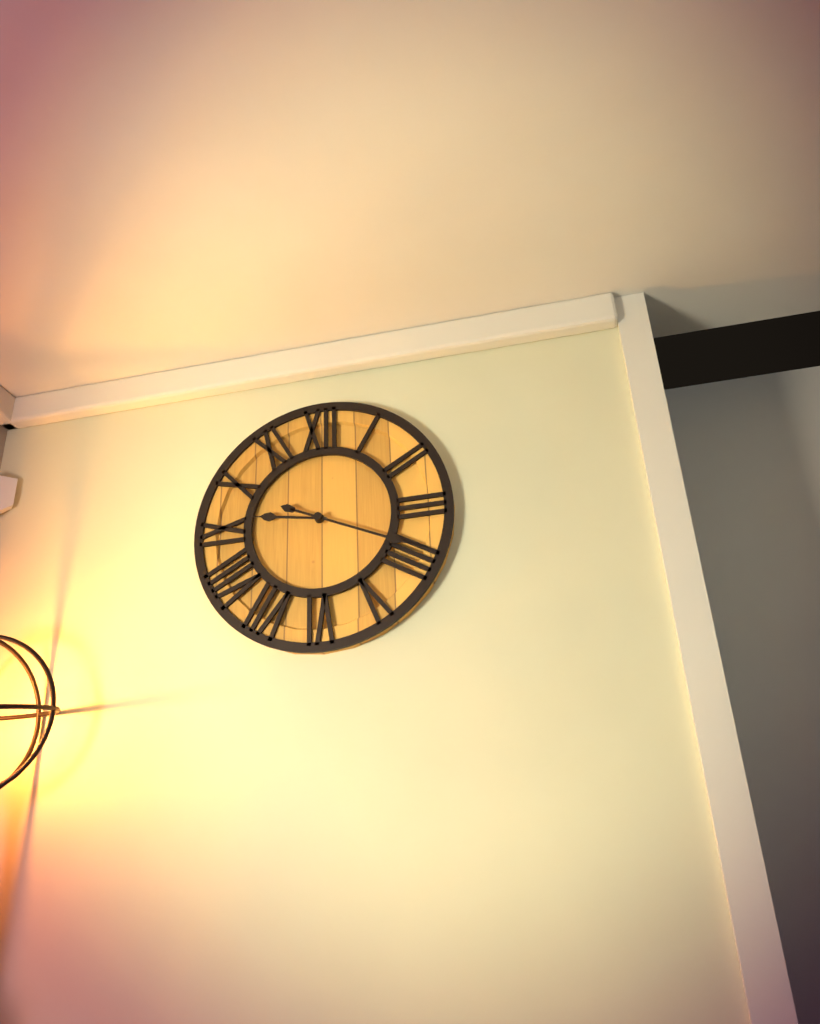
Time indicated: {"hour": 9, "minute": 19}
